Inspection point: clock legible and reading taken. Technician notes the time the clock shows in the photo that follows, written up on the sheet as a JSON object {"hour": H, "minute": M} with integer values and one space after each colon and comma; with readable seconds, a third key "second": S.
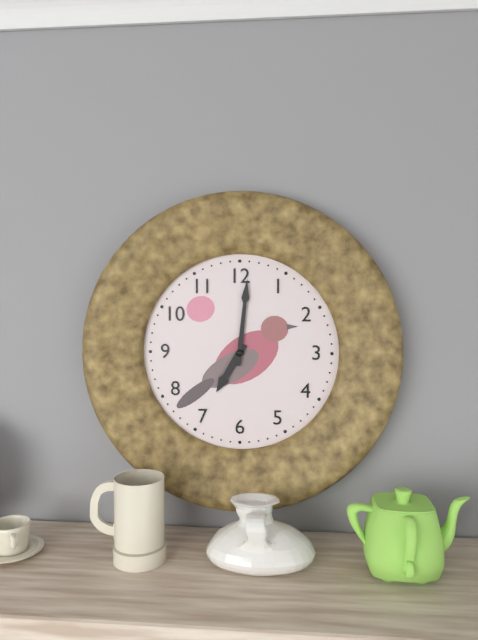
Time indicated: {"hour": 7, "minute": 1}
